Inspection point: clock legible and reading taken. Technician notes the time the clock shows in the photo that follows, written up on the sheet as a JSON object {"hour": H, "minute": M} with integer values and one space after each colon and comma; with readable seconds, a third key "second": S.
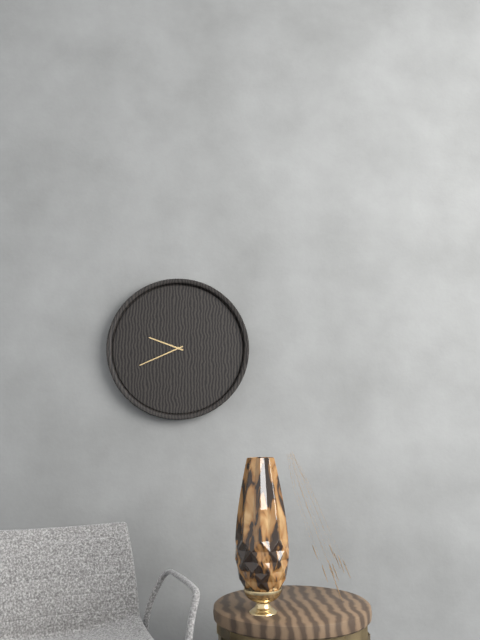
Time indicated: {"hour": 9, "minute": 41}
